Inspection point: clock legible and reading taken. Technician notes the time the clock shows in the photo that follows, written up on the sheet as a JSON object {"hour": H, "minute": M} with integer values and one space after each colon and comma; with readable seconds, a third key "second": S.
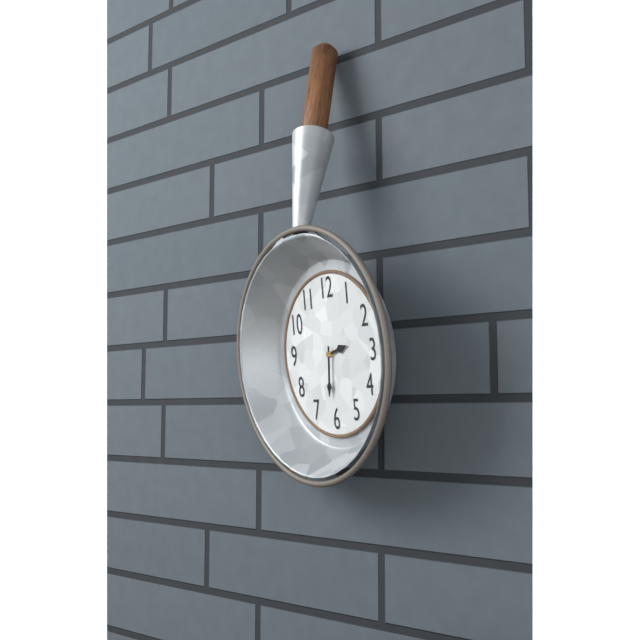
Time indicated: {"hour": 2, "minute": 31}
